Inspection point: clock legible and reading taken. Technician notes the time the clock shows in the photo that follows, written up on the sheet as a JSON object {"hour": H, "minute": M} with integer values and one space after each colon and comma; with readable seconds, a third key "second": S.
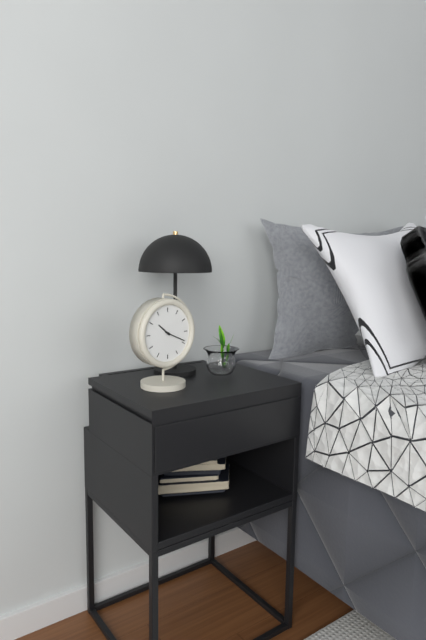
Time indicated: {"hour": 10, "minute": 19}
